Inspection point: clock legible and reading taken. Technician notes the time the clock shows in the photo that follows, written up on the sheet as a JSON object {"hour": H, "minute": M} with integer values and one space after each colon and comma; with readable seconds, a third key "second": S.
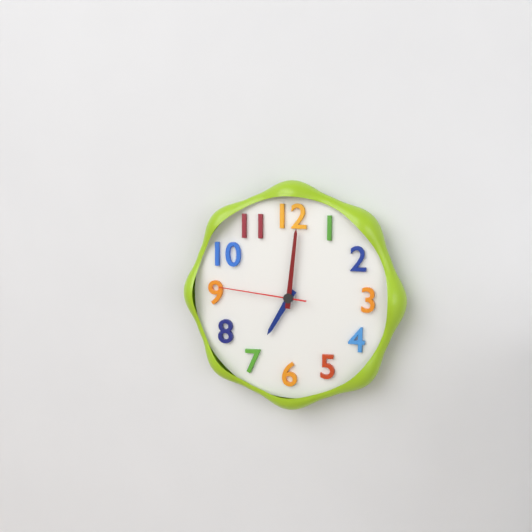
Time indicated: {"hour": 7, "minute": 1, "second": 46}
